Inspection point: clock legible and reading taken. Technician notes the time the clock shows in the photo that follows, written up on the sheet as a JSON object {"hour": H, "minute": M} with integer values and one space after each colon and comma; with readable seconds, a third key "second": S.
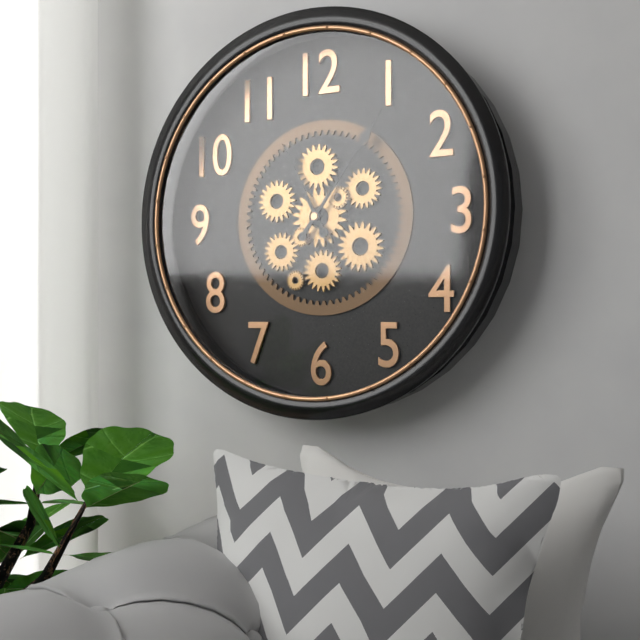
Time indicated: {"hour": 11, "minute": 6}
